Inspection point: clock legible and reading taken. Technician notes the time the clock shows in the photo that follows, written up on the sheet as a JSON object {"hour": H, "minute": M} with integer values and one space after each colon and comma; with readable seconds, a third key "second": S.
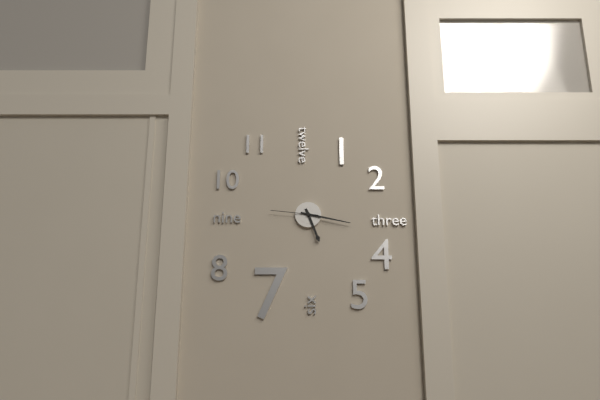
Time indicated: {"hour": 5, "minute": 17}
